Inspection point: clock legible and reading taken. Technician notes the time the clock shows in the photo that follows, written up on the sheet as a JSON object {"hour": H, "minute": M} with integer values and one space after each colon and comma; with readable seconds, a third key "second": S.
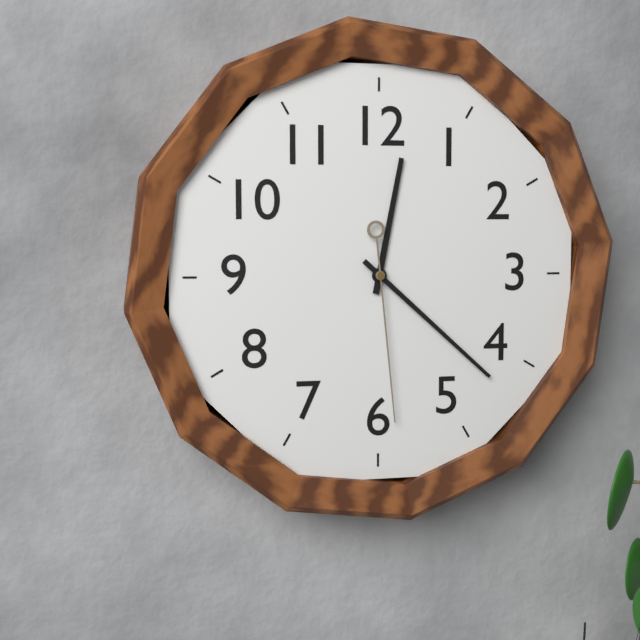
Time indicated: {"hour": 12, "minute": 22, "second": 29}
